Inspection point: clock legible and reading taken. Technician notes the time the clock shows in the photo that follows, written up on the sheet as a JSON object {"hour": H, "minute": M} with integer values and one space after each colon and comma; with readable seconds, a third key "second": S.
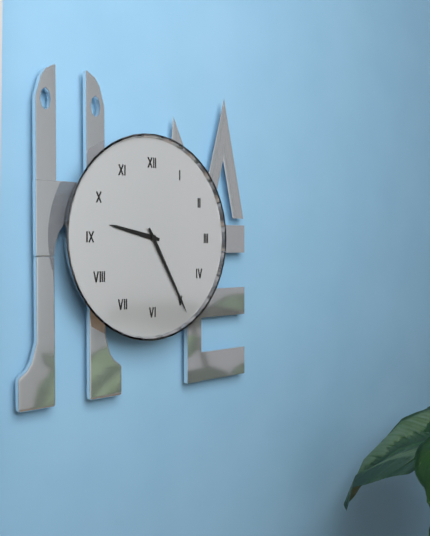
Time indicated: {"hour": 9, "minute": 25}
